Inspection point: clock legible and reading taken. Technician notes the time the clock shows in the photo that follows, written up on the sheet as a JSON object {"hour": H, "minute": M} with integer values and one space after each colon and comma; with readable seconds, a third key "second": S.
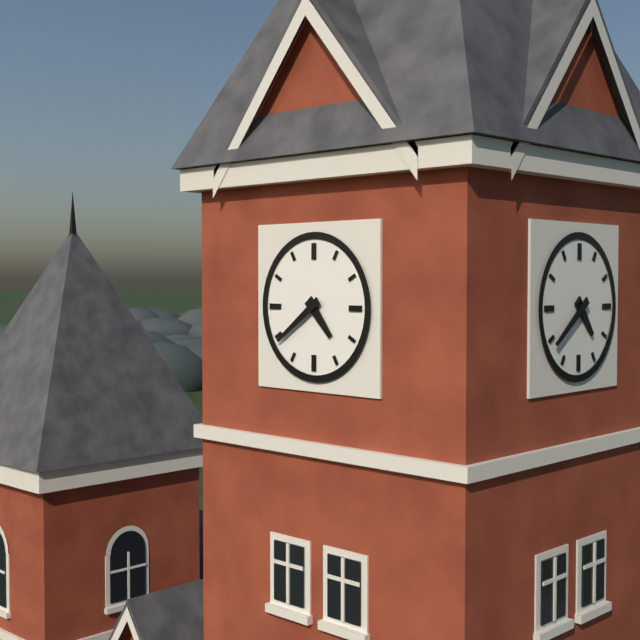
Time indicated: {"hour": 4, "minute": 39}
